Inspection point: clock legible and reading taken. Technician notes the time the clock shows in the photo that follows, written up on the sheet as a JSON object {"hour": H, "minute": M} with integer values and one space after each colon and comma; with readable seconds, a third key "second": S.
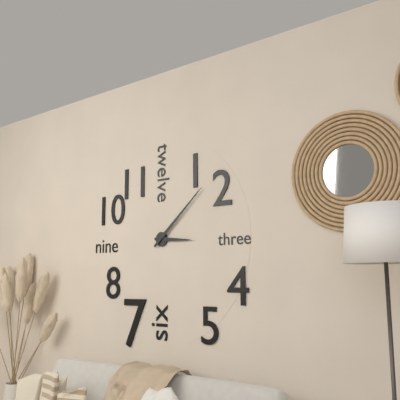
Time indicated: {"hour": 3, "minute": 8}
